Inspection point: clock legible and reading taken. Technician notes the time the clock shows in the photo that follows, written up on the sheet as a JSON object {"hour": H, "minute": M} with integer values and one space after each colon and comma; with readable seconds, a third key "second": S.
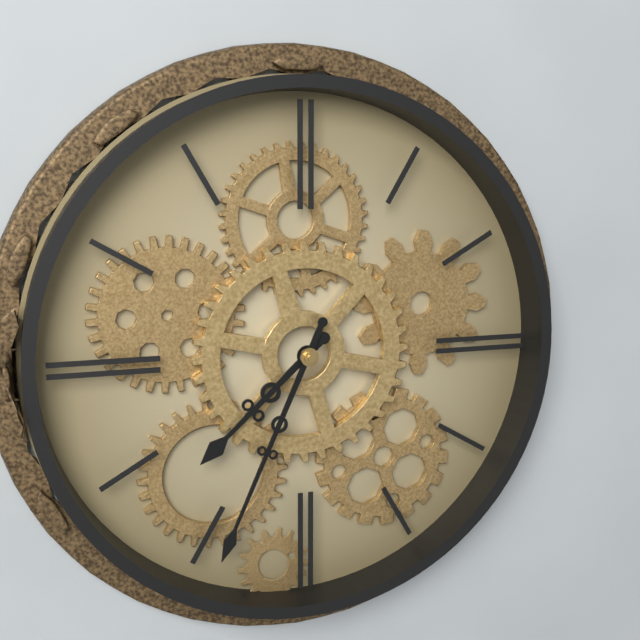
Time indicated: {"hour": 7, "minute": 34}
